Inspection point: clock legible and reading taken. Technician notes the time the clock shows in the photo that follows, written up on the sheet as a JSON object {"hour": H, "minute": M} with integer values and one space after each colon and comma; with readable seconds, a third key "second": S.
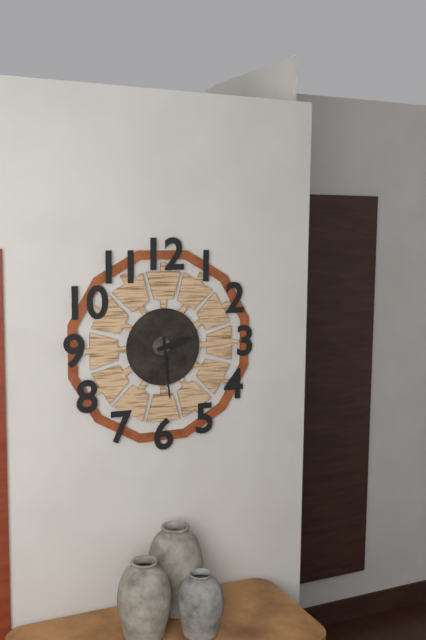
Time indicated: {"hour": 2, "minute": 29}
